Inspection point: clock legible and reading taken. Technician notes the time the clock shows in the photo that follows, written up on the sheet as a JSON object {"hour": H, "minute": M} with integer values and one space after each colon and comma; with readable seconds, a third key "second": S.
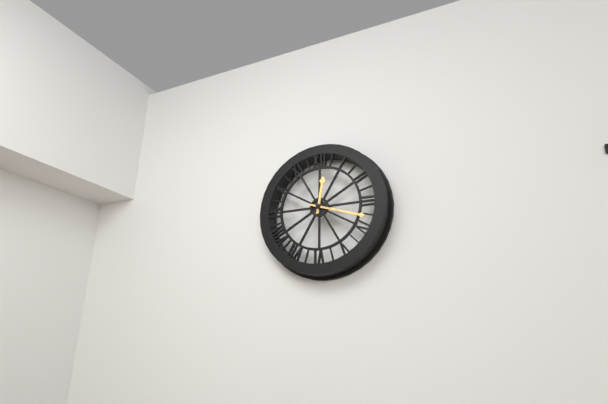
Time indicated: {"hour": 12, "minute": 18}
